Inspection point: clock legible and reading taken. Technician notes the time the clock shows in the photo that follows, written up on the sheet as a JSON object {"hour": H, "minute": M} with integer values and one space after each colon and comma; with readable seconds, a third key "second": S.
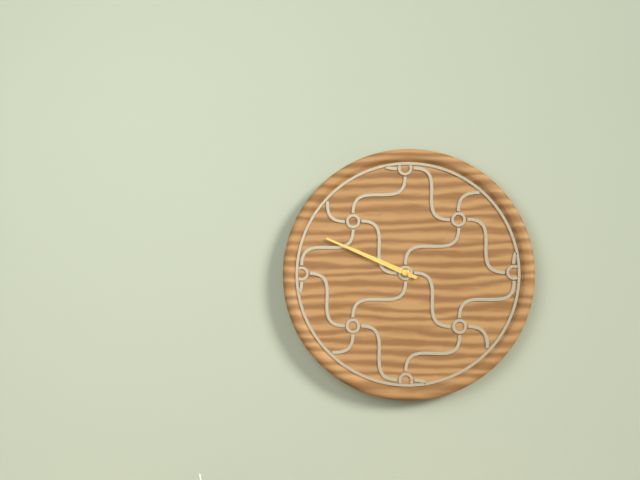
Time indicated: {"hour": 9, "minute": 49}
